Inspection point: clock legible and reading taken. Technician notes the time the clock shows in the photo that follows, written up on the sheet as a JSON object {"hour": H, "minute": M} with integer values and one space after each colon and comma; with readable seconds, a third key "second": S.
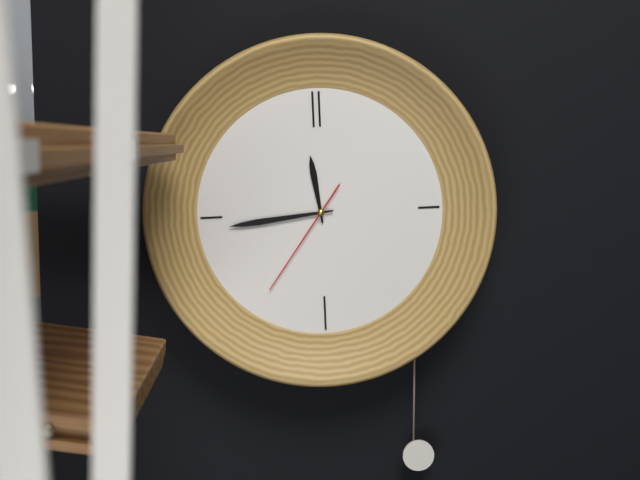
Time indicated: {"hour": 11, "minute": 44, "second": 36}
